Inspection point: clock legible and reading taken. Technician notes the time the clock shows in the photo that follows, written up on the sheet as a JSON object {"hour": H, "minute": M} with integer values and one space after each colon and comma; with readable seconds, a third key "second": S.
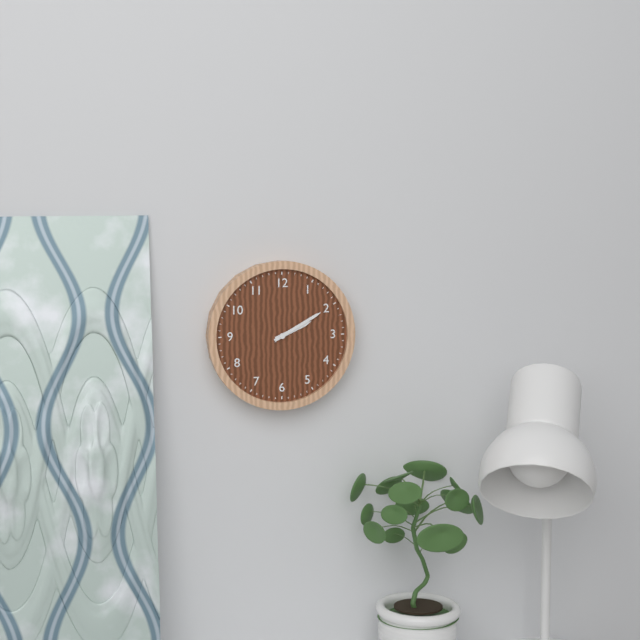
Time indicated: {"hour": 2, "minute": 10}
